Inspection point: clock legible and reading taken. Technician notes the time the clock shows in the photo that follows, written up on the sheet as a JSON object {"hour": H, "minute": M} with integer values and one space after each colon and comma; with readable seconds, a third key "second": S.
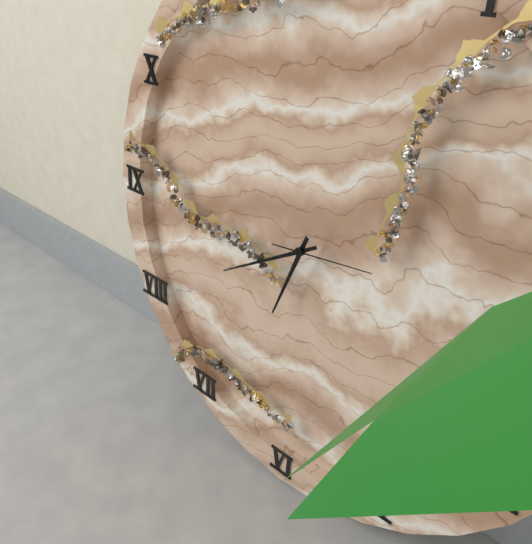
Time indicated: {"hour": 6, "minute": 40, "second": 14}
